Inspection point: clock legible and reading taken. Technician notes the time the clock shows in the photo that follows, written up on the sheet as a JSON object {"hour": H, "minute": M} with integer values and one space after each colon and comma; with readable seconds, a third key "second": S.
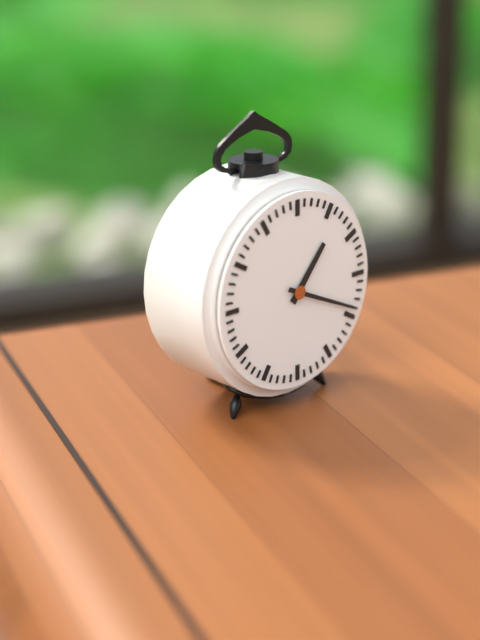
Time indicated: {"hour": 1, "minute": 19}
